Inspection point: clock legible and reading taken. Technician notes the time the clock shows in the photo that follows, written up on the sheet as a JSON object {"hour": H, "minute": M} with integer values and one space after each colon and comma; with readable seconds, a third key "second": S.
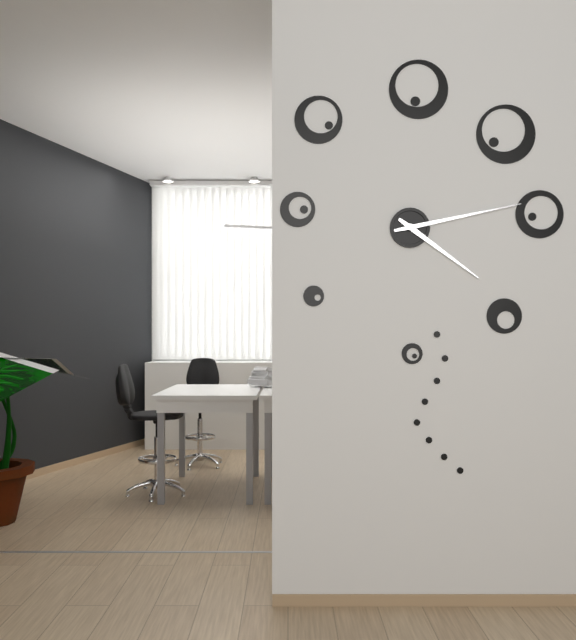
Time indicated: {"hour": 4, "minute": 13}
